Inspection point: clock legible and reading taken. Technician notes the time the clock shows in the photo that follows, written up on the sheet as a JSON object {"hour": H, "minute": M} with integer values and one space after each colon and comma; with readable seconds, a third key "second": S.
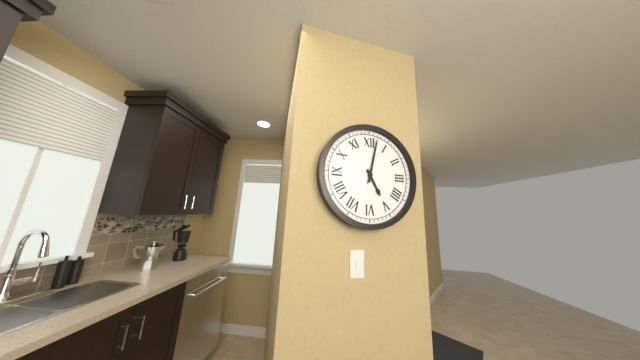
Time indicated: {"hour": 5, "minute": 2}
